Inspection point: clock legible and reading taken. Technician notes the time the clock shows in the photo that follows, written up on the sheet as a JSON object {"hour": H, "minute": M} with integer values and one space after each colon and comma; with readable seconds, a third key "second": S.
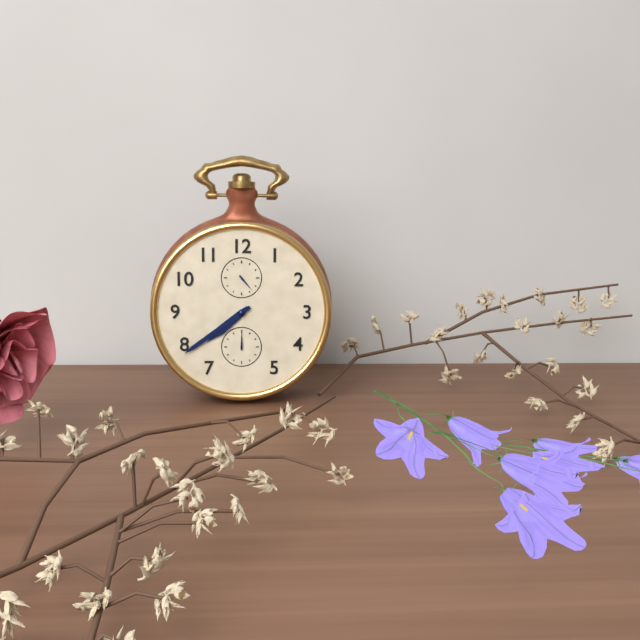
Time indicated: {"hour": 7, "minute": 39}
